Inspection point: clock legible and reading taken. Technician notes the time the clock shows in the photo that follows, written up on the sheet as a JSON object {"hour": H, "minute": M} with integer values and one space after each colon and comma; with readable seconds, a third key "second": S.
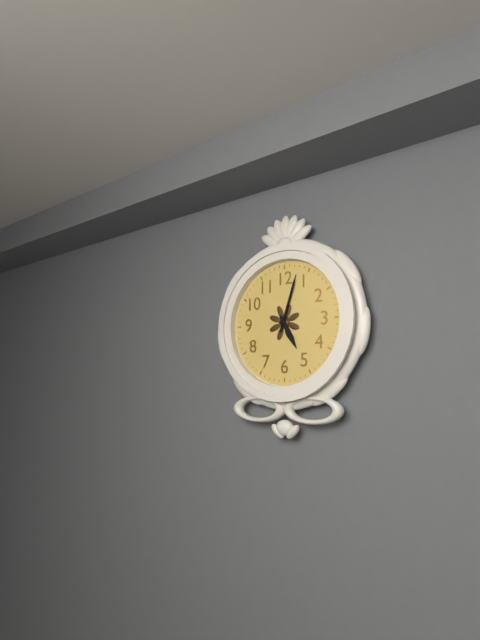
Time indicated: {"hour": 5, "minute": 3}
